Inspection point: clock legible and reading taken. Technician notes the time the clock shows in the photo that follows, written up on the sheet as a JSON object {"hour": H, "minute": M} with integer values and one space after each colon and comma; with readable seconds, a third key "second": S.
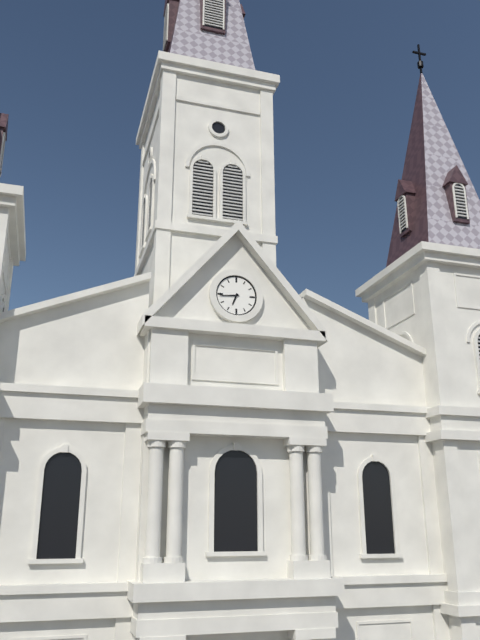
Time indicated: {"hour": 6, "minute": 44}
